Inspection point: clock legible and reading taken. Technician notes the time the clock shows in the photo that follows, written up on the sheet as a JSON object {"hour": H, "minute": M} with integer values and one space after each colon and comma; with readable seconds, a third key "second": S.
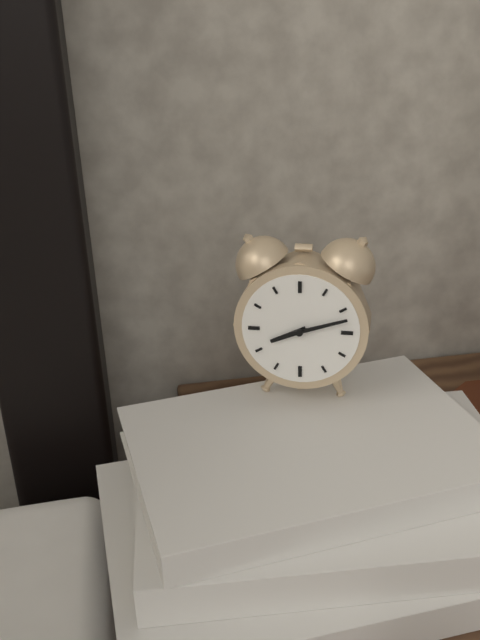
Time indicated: {"hour": 8, "minute": 12}
